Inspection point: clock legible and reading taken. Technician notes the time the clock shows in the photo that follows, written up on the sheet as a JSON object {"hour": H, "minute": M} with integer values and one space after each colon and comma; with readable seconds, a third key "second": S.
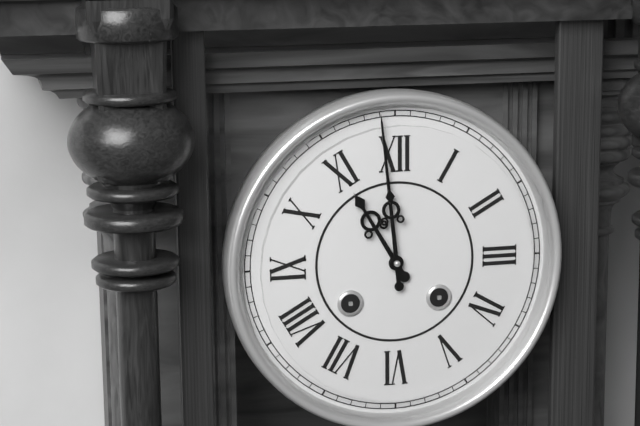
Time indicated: {"hour": 10, "minute": 59}
